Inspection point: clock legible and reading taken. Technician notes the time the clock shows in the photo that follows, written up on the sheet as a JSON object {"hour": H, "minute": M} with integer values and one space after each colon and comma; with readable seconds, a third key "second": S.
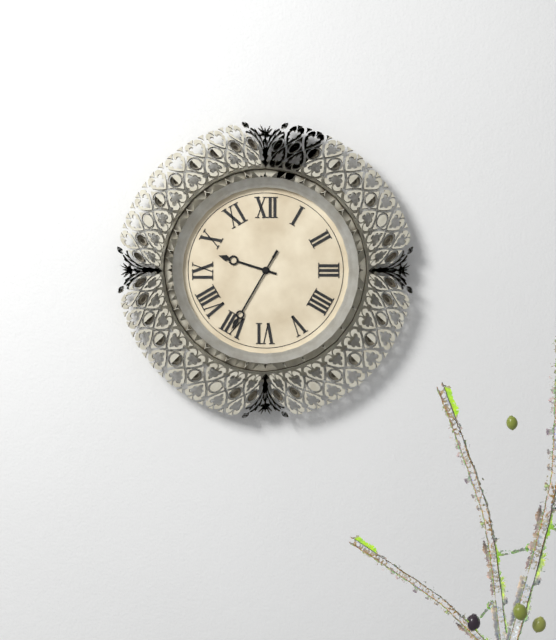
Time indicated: {"hour": 9, "minute": 35}
